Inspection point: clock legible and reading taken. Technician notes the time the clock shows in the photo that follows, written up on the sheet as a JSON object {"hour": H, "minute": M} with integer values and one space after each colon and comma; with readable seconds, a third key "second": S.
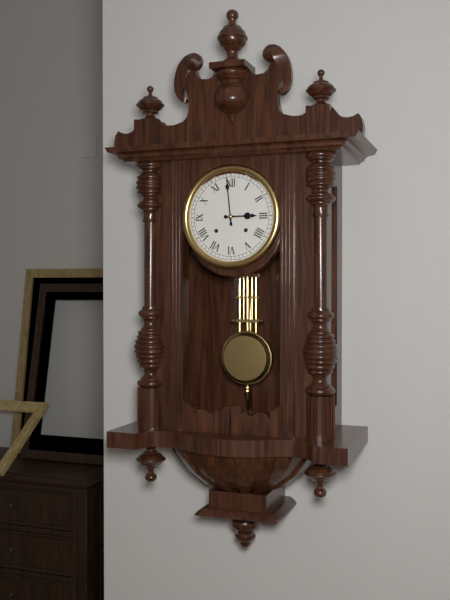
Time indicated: {"hour": 2, "minute": 59}
